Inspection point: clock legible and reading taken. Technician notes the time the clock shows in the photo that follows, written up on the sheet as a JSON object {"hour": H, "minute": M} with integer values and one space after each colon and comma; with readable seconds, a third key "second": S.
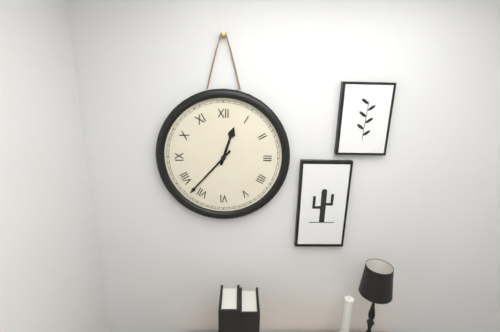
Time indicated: {"hour": 12, "minute": 37}
